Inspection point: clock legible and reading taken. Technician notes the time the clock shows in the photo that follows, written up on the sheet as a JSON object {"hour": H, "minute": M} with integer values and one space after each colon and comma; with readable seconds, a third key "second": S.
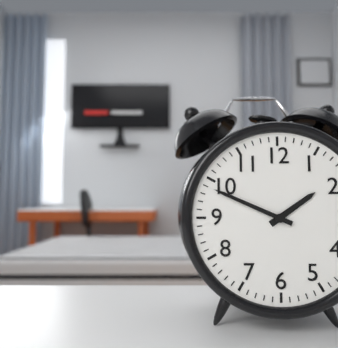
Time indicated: {"hour": 1, "minute": 49}
